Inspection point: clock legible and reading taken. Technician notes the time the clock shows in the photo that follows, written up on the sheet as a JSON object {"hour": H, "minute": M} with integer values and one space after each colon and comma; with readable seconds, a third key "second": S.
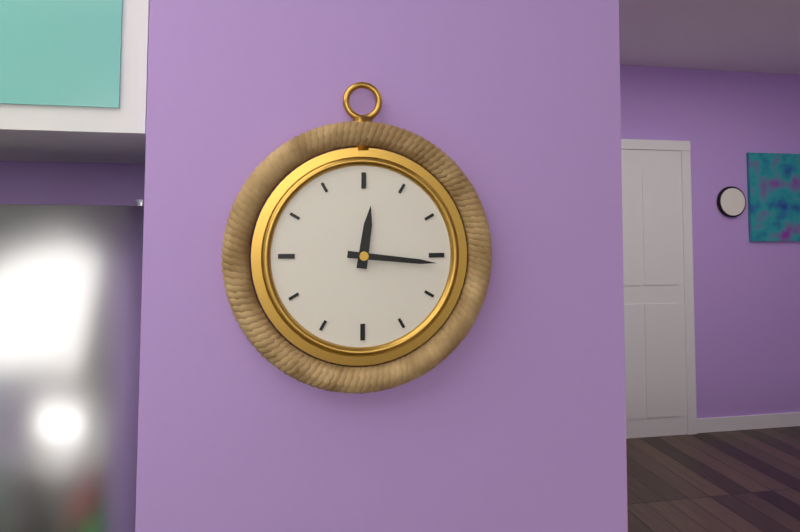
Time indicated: {"hour": 12, "minute": 16}
